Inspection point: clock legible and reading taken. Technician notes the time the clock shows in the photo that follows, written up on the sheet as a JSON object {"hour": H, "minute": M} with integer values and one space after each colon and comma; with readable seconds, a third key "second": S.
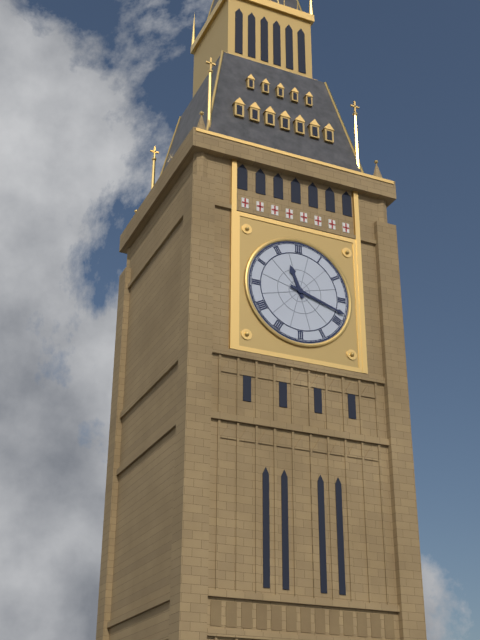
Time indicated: {"hour": 11, "minute": 18}
